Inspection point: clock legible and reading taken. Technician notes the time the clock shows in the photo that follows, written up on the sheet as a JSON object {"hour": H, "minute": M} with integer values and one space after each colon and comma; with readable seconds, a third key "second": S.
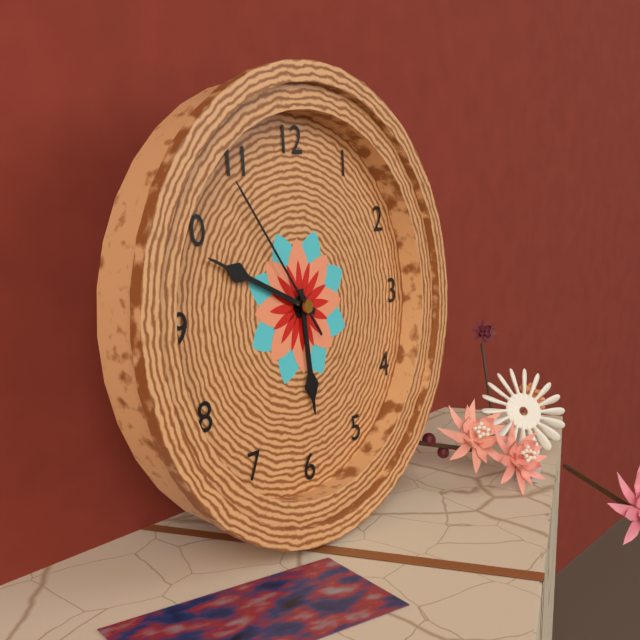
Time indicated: {"hour": 5, "minute": 49, "second": 54}
